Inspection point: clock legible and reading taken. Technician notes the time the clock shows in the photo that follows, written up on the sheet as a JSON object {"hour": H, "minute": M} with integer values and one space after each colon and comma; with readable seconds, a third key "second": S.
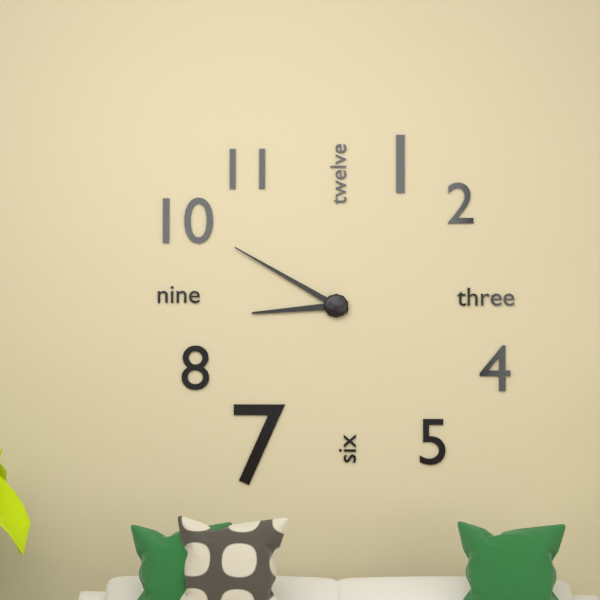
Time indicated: {"hour": 8, "minute": 50}
